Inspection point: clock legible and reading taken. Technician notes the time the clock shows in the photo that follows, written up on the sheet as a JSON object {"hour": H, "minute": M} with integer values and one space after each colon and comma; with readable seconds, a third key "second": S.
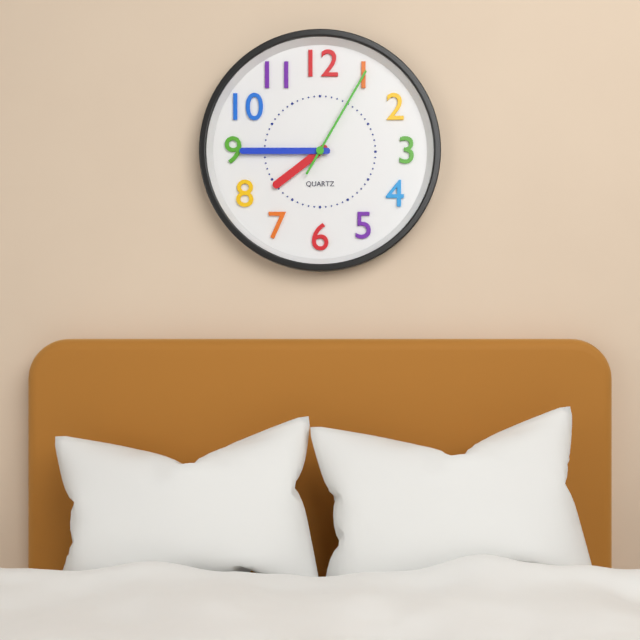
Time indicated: {"hour": 7, "minute": 45, "second": 5}
